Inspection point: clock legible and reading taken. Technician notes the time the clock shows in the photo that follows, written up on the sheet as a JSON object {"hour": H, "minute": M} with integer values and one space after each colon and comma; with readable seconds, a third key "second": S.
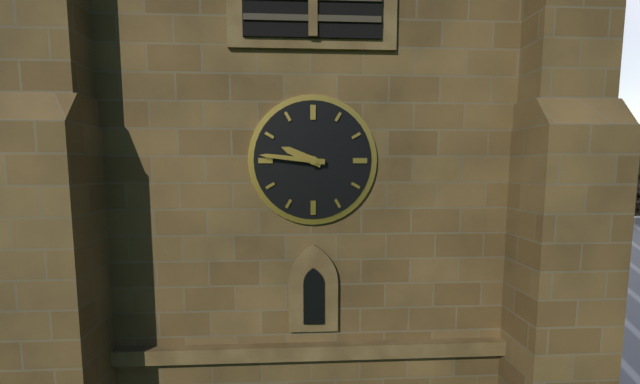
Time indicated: {"hour": 9, "minute": 46}
